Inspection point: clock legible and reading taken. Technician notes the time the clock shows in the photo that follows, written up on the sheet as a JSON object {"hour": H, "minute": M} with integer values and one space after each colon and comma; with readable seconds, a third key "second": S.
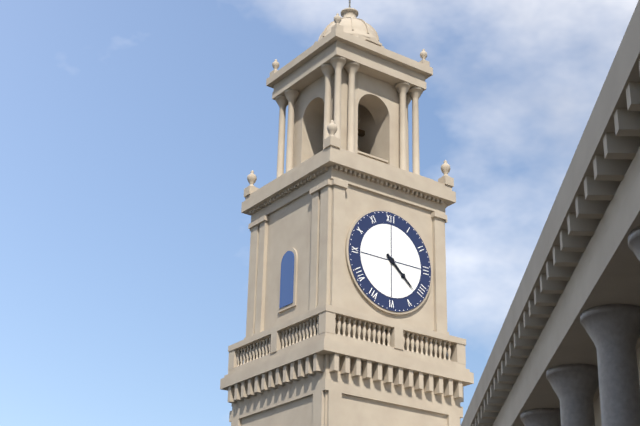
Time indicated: {"hour": 4, "minute": 22}
